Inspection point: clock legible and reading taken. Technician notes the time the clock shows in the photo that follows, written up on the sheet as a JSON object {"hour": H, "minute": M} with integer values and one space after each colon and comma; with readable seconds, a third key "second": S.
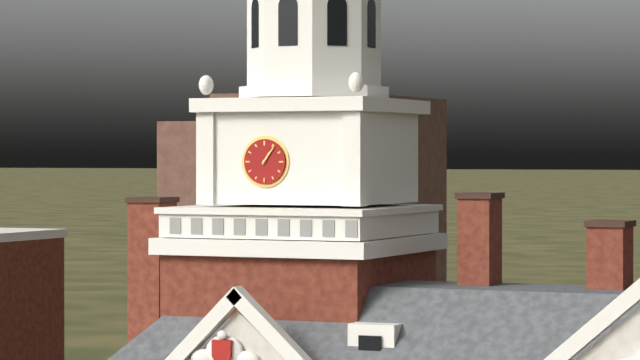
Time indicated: {"hour": 1, "minute": 6}
